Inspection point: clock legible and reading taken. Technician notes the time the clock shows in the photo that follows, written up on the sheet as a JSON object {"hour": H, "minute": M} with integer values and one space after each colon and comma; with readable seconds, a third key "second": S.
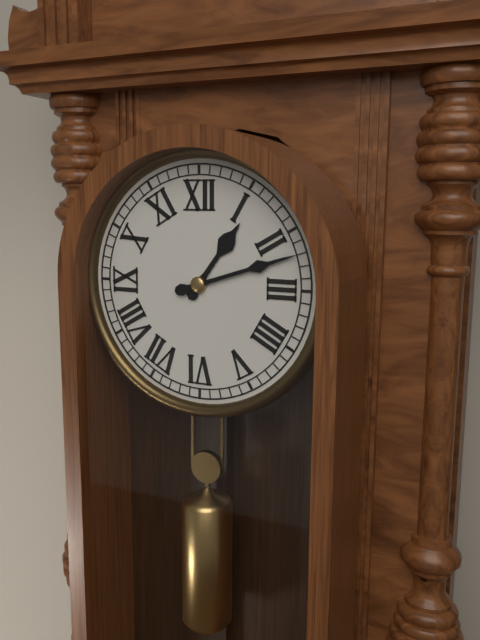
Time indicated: {"hour": 1, "minute": 12}
